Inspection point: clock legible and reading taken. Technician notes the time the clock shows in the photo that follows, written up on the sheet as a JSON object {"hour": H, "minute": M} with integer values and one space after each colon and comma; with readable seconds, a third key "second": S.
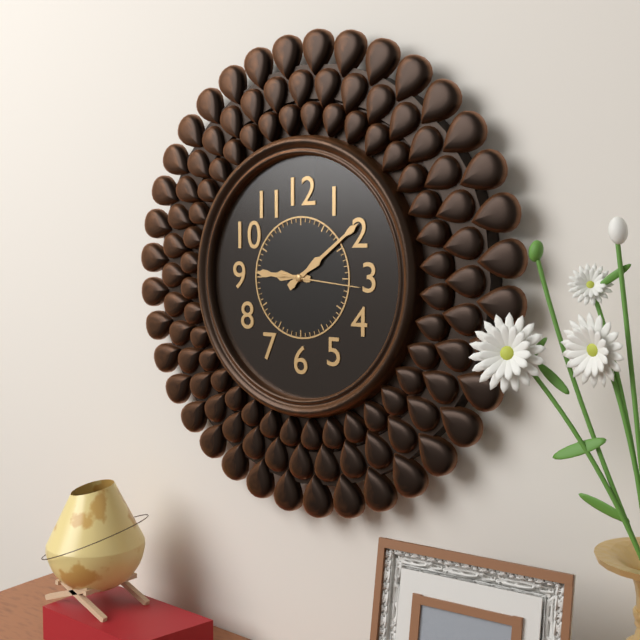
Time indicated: {"hour": 9, "minute": 9, "second": 16}
